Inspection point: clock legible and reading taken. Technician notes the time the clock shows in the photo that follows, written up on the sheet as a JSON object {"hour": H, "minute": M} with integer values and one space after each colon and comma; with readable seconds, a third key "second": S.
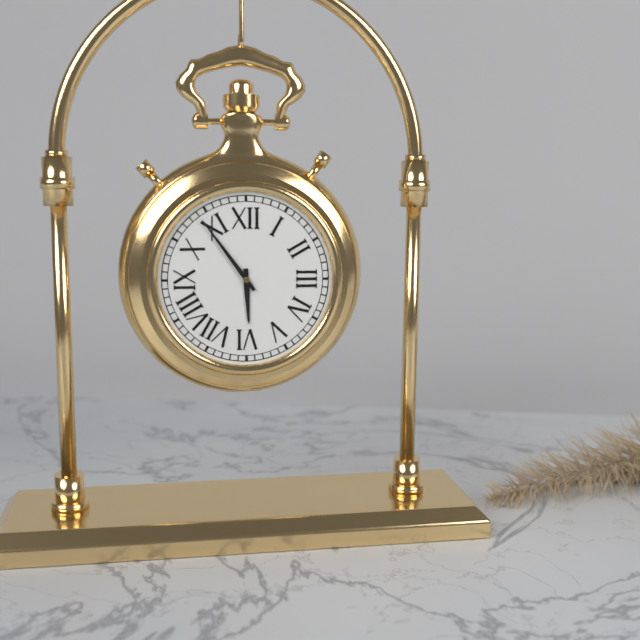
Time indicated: {"hour": 5, "minute": 54}
